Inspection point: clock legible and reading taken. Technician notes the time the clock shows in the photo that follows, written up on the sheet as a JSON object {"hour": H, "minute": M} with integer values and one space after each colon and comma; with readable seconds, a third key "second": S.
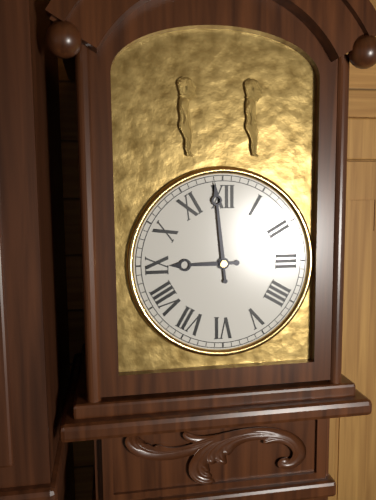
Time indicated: {"hour": 8, "minute": 59}
